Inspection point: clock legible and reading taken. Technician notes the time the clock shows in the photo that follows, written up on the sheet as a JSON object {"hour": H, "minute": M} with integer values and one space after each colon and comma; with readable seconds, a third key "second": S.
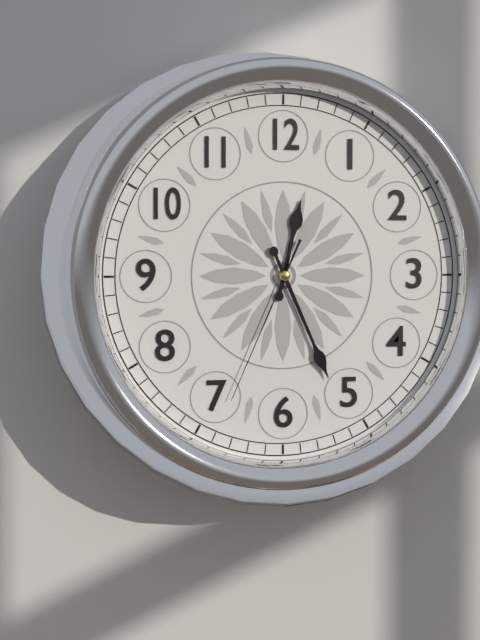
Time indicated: {"hour": 12, "minute": 26, "second": 34}
